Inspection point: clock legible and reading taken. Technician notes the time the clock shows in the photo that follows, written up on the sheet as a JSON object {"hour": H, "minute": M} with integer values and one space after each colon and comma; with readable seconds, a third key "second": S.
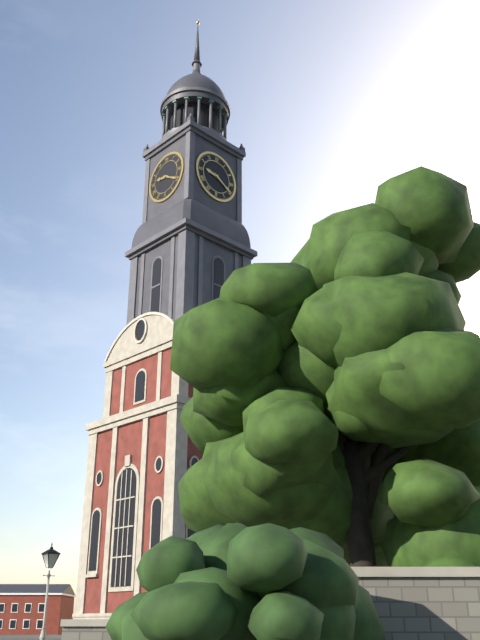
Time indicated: {"hour": 9, "minute": 20}
